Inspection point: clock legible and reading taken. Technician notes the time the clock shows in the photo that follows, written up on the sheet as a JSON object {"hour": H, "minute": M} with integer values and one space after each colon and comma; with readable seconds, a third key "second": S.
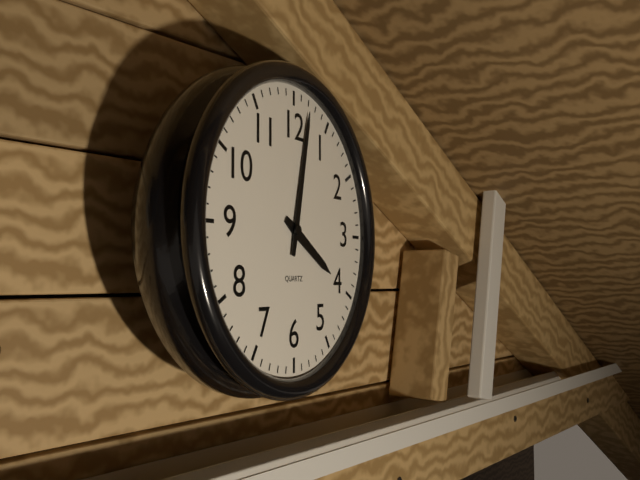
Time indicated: {"hour": 4, "minute": 2}
